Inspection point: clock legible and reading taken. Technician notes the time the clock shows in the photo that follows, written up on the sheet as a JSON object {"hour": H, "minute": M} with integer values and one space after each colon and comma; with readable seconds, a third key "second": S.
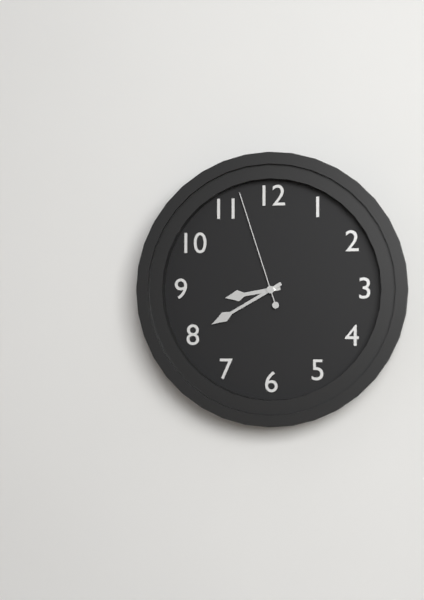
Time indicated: {"hour": 8, "minute": 40, "second": 57}
